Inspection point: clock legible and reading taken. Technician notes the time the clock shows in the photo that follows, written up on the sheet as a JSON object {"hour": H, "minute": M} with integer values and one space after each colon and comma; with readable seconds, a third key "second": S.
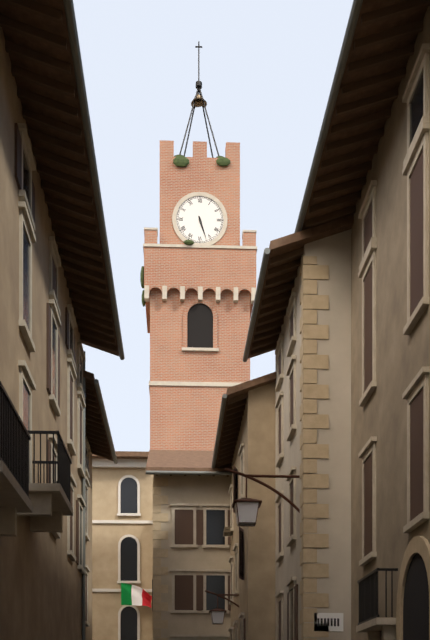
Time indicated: {"hour": 5, "minute": 27}
